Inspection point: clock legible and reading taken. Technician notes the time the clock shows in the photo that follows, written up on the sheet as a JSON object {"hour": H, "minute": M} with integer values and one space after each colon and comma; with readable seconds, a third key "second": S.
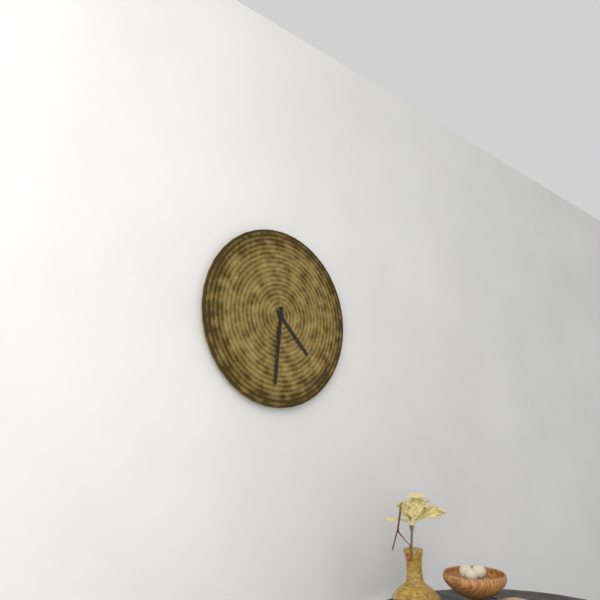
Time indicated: {"hour": 4, "minute": 31}
